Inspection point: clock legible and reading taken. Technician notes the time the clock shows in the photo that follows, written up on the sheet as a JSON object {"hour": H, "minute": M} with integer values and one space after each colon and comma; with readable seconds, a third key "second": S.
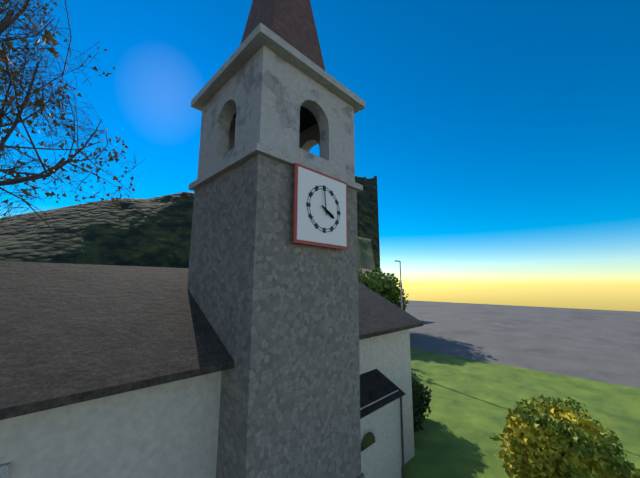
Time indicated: {"hour": 3, "minute": 59}
